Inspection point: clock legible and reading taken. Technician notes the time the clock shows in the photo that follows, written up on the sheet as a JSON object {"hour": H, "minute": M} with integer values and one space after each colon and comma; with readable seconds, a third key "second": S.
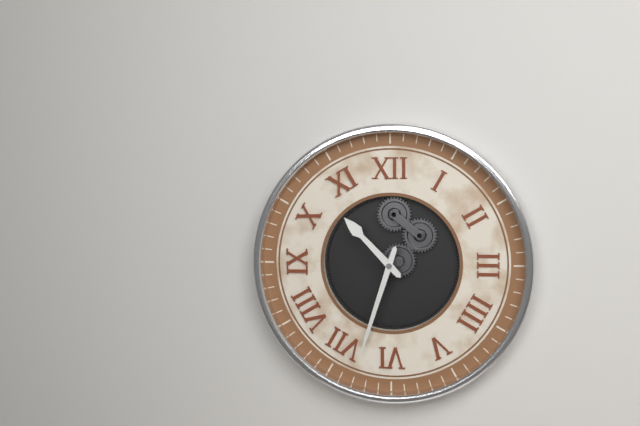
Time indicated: {"hour": 10, "minute": 33}
